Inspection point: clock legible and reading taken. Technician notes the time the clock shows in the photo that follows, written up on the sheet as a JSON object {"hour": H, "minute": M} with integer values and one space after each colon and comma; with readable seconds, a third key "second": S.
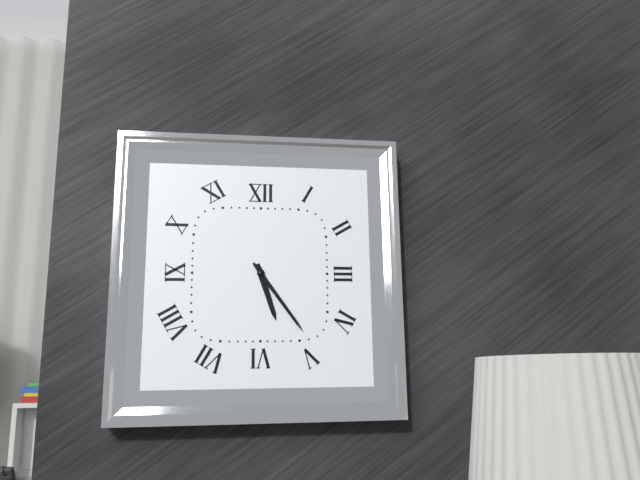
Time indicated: {"hour": 5, "minute": 24}
